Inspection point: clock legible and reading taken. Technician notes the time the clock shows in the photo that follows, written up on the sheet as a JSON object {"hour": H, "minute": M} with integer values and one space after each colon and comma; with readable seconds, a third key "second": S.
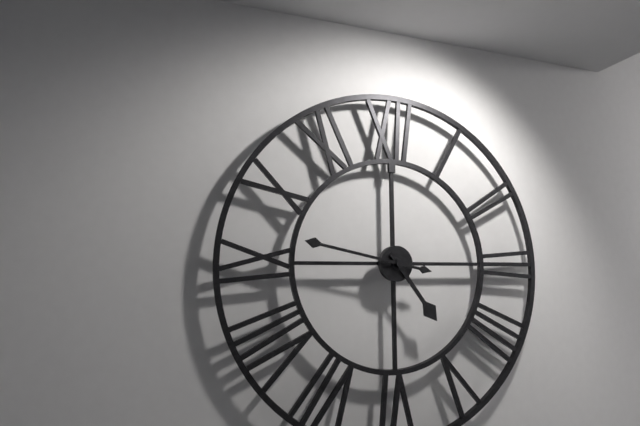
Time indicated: {"hour": 4, "minute": 47}
